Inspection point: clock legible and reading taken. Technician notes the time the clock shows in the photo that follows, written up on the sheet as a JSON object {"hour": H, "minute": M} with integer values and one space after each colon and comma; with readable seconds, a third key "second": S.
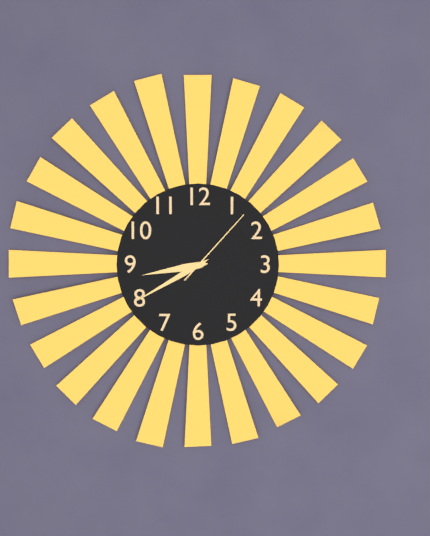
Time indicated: {"hour": 8, "minute": 40, "second": 7}
